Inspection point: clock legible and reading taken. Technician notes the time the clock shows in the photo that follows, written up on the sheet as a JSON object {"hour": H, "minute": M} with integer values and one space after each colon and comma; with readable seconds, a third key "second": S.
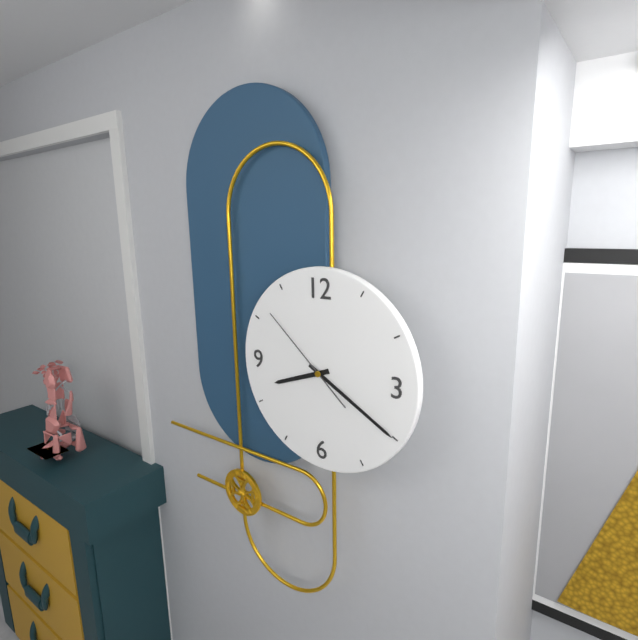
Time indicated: {"hour": 8, "minute": 20, "second": 52}
